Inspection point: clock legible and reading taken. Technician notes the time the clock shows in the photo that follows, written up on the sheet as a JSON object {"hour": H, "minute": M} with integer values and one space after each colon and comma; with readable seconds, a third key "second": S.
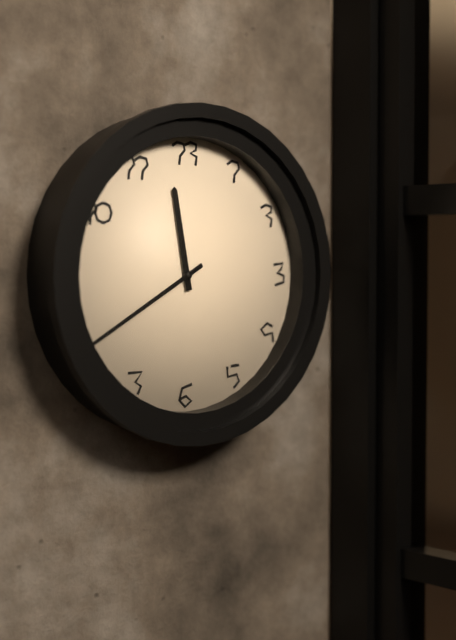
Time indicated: {"hour": 11, "minute": 40}
